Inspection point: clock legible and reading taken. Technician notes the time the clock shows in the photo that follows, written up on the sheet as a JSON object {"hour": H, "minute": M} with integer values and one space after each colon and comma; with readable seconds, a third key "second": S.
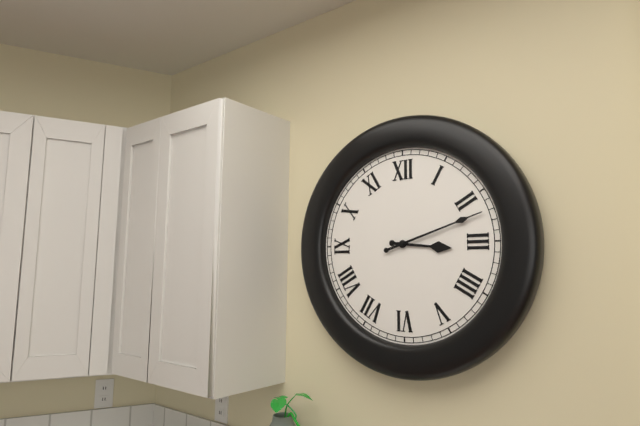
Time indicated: {"hour": 3, "minute": 12}
